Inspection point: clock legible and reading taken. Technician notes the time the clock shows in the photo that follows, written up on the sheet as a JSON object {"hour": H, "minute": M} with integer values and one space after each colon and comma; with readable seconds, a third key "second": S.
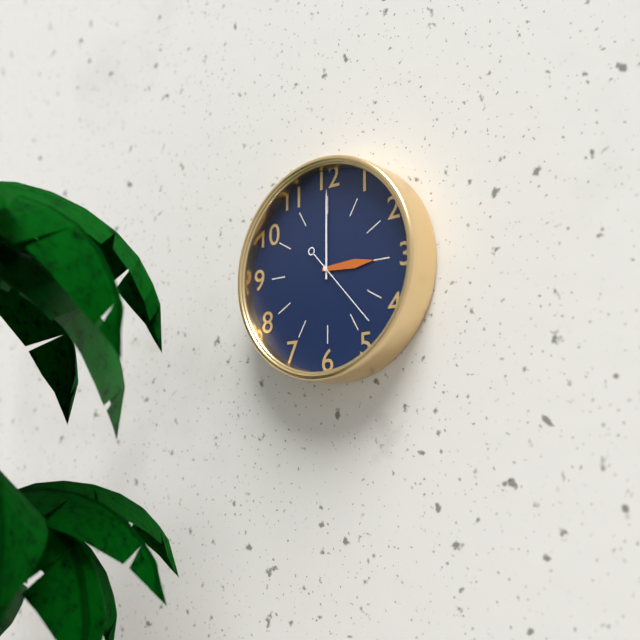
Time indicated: {"hour": 3, "minute": 0, "second": 23}
